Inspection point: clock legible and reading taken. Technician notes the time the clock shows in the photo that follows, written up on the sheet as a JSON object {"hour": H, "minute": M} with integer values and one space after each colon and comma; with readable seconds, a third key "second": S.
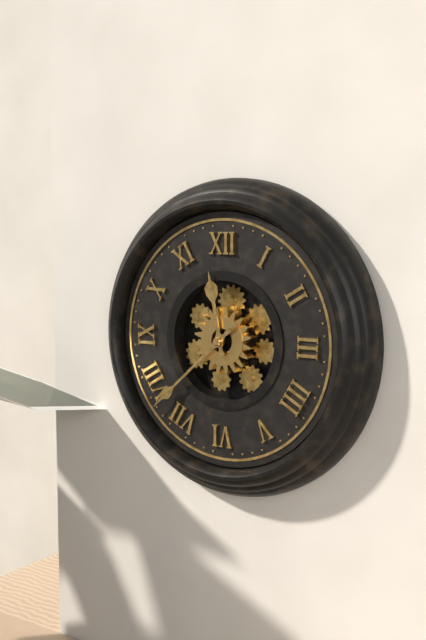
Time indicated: {"hour": 11, "minute": 38}
